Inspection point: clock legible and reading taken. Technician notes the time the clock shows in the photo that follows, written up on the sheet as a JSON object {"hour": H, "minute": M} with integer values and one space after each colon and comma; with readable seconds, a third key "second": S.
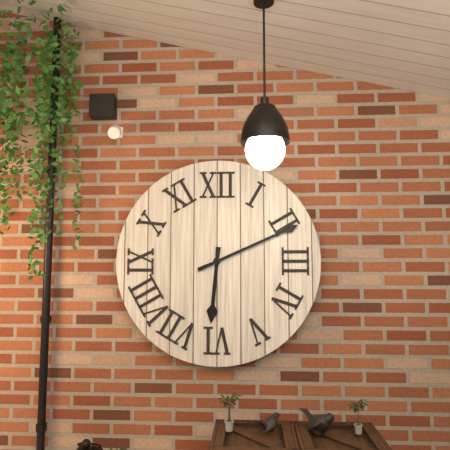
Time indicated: {"hour": 6, "minute": 11}
